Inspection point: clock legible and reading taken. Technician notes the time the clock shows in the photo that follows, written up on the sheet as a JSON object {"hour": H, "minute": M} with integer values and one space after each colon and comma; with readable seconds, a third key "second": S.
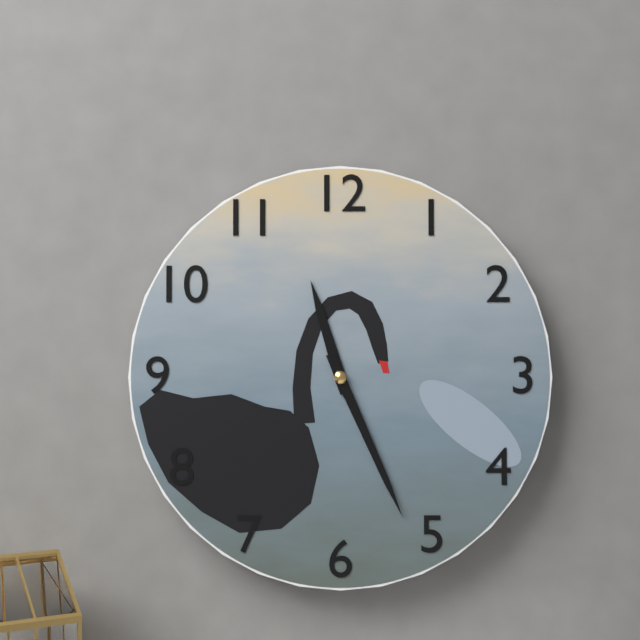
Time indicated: {"hour": 11, "minute": 26}
